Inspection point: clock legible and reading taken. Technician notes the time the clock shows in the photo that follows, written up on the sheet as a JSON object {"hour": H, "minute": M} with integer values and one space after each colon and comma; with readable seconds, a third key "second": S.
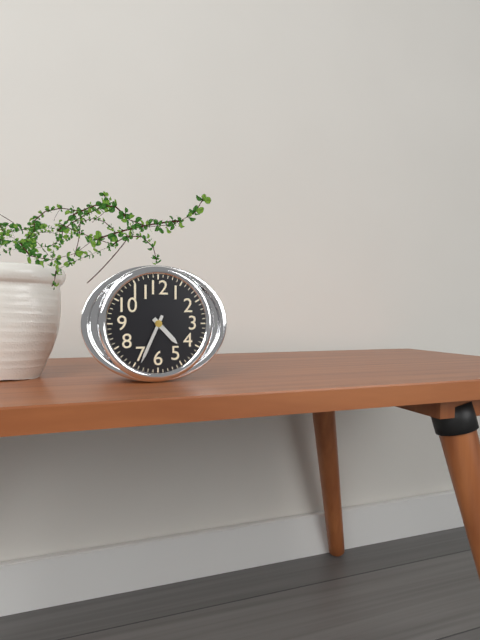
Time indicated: {"hour": 4, "minute": 34}
